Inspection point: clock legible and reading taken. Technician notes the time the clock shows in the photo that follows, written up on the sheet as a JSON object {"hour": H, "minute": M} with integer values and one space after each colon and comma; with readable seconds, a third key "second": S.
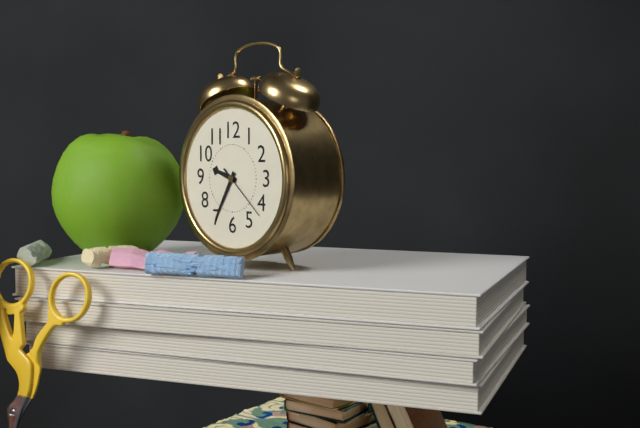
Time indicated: {"hour": 9, "minute": 35, "second": 22}
